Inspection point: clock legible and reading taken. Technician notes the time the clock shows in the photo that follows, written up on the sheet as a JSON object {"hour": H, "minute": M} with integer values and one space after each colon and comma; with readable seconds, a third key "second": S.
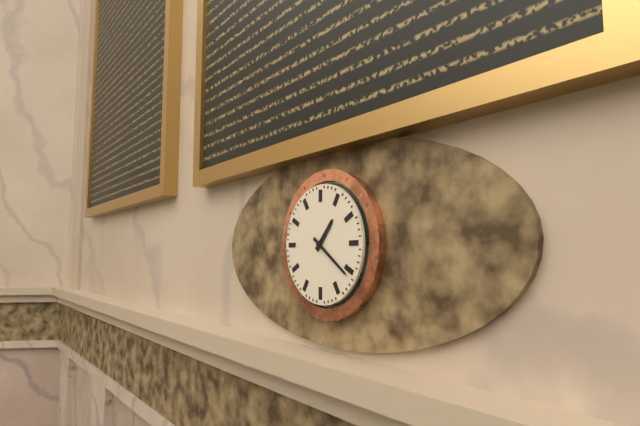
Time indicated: {"hour": 1, "minute": 21}
